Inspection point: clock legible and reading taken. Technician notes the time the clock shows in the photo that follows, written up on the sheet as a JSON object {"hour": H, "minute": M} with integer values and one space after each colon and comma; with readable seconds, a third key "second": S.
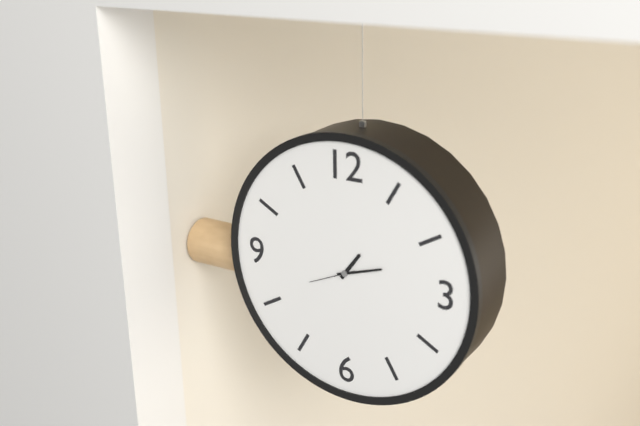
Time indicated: {"hour": 1, "minute": 12, "second": 41}
